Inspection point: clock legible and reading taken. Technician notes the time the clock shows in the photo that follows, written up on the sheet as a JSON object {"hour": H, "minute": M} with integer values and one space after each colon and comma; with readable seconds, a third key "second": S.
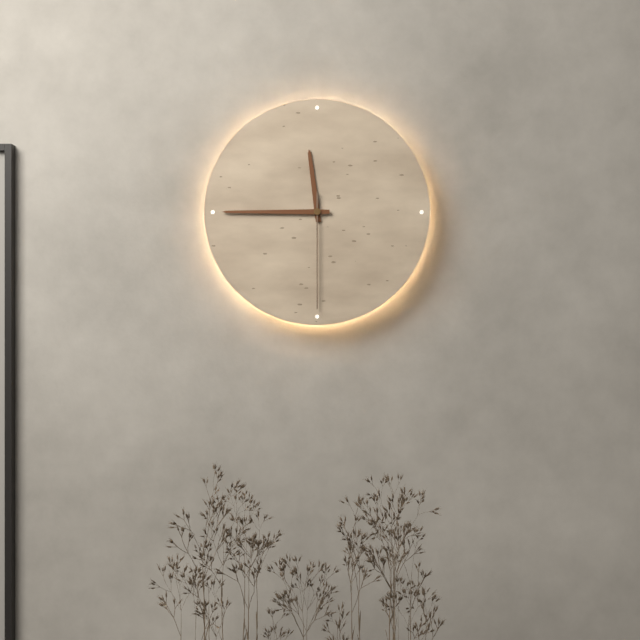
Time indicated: {"hour": 11, "minute": 45, "second": 30}
